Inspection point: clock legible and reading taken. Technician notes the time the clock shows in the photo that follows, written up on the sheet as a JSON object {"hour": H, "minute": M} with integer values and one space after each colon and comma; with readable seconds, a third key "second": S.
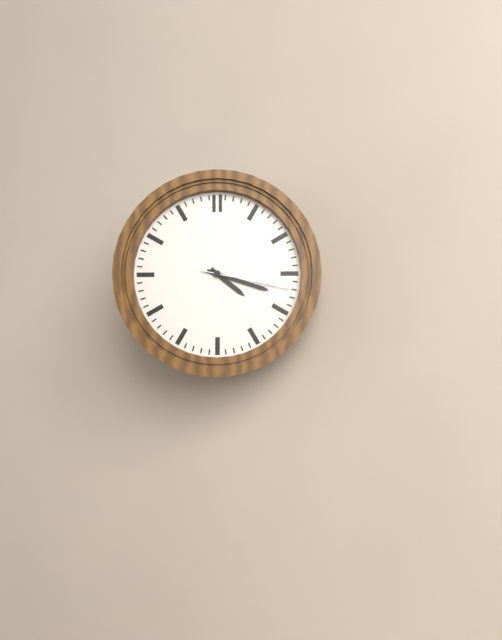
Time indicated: {"hour": 4, "minute": 18, "second": 17}
